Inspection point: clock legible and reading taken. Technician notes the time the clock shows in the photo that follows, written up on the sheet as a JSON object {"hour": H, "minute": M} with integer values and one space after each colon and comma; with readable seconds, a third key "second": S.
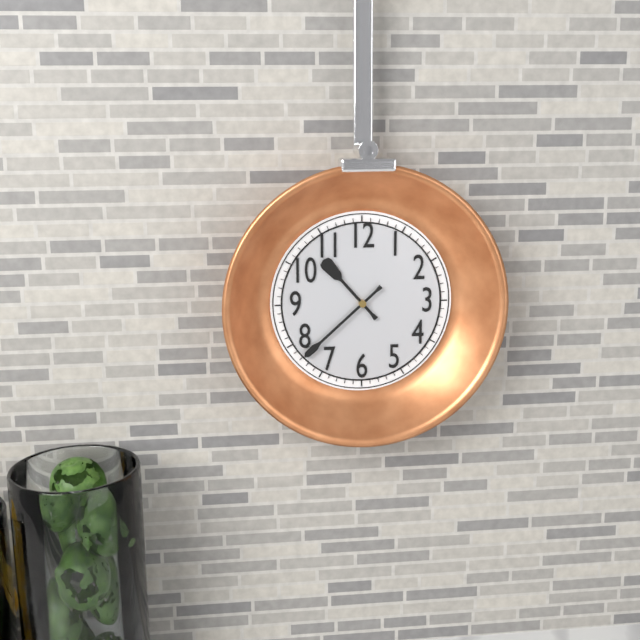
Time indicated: {"hour": 10, "minute": 38}
